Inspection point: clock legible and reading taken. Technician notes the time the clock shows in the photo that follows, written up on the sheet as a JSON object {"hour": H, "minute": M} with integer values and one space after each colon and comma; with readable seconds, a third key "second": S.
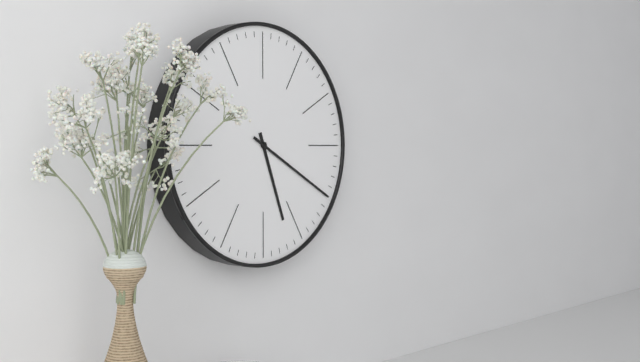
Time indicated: {"hour": 5, "minute": 20}
